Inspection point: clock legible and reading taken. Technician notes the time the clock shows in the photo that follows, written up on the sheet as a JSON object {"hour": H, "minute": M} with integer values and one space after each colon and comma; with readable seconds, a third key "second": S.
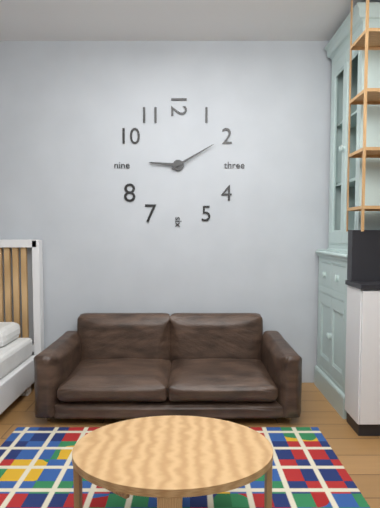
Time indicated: {"hour": 9, "minute": 10}
